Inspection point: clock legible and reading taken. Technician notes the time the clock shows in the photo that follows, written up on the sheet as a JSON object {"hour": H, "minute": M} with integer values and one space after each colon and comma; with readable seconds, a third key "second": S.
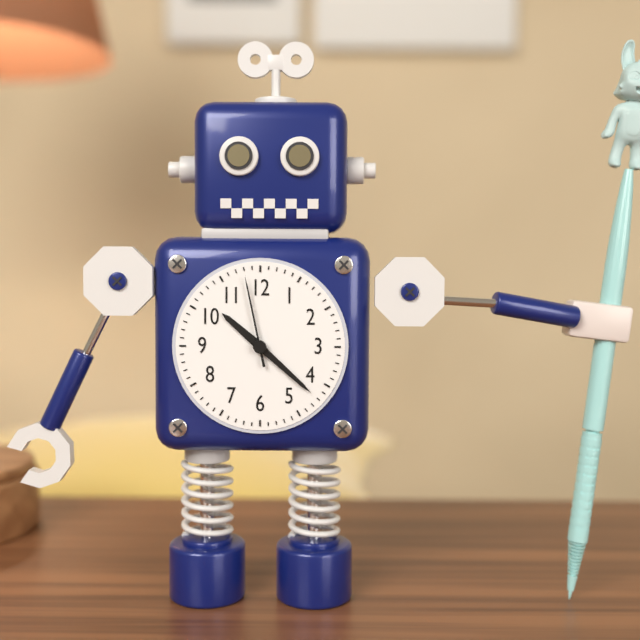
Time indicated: {"hour": 10, "minute": 22, "second": 58}
